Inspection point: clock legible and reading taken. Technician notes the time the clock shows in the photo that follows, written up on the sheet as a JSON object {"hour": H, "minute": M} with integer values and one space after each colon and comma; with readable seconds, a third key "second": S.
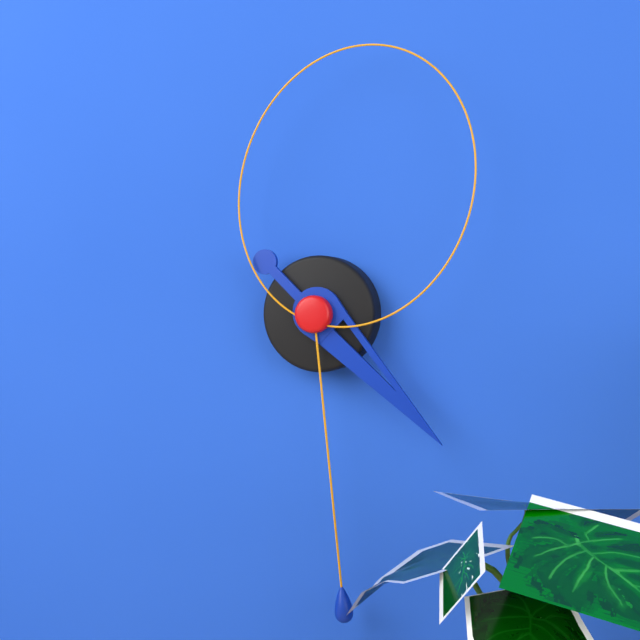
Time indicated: {"hour": 4, "minute": 29, "second": 3}
